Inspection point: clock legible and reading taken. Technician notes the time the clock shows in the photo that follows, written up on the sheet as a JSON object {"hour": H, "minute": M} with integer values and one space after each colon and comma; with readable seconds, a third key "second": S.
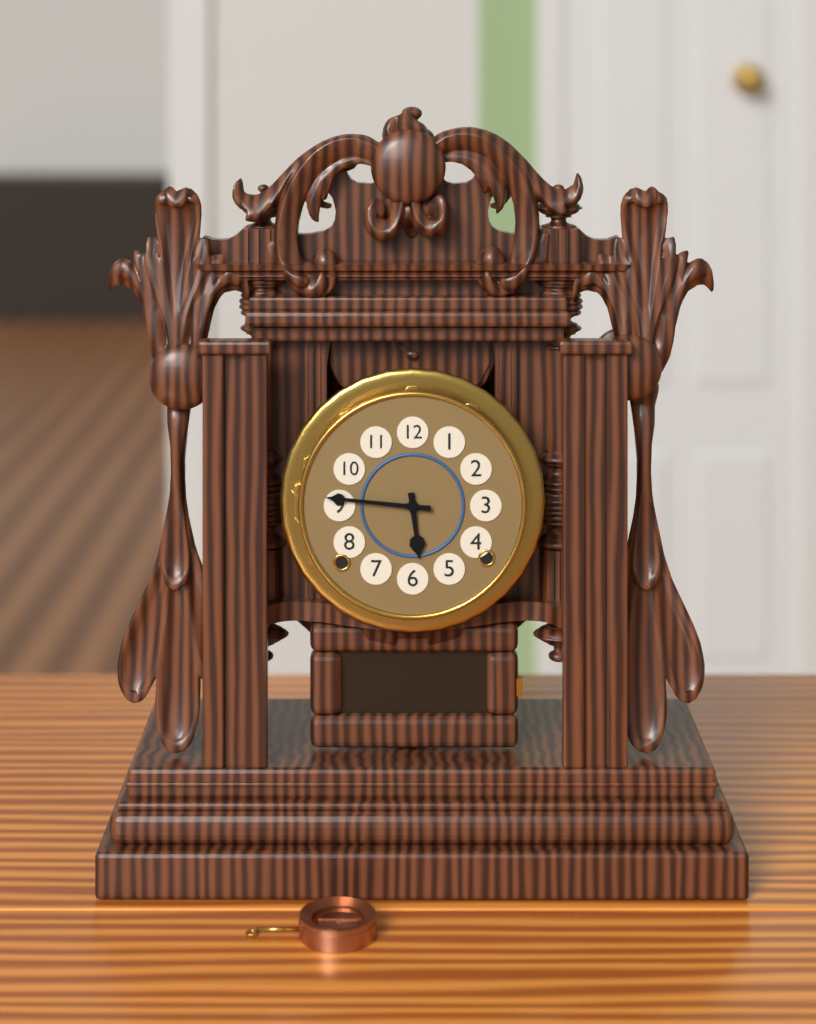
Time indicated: {"hour": 5, "minute": 46}
